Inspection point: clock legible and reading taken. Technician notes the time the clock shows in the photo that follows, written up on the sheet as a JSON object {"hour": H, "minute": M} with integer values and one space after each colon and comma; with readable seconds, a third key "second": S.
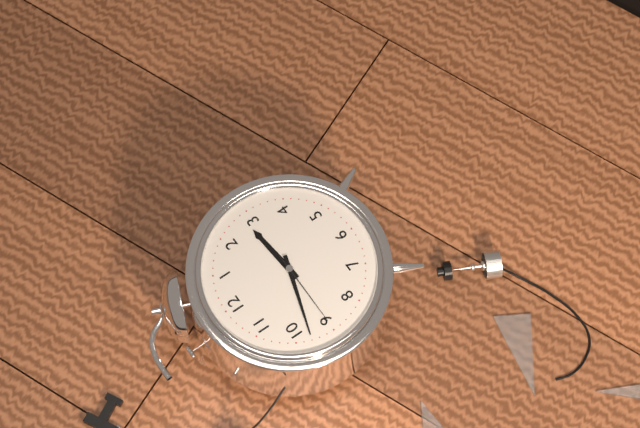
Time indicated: {"hour": 2, "minute": 48, "second": 45}
